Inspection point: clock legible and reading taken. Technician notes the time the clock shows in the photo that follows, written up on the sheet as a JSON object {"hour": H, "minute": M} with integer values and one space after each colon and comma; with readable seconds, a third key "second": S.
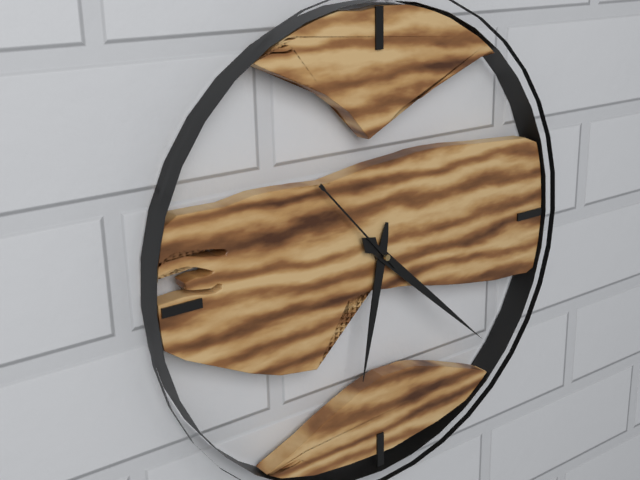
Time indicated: {"hour": 6, "minute": 22, "second": 53}
